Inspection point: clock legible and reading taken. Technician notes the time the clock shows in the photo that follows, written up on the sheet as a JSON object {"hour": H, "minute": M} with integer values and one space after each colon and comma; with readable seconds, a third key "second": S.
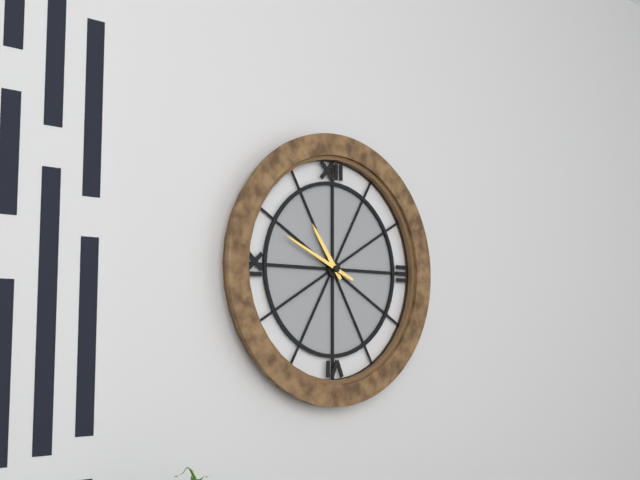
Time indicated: {"hour": 10, "minute": 49}
